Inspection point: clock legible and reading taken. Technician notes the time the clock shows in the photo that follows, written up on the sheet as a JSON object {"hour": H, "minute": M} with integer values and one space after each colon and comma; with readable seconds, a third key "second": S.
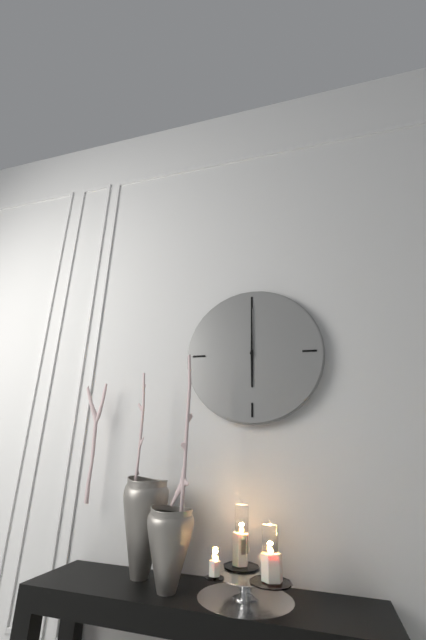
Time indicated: {"hour": 6, "minute": 0}
